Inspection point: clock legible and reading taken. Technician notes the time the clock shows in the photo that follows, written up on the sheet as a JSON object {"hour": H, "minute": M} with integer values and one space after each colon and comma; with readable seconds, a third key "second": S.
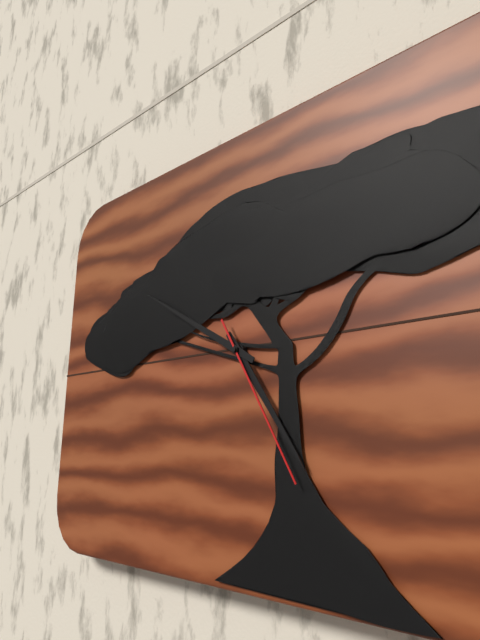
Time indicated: {"hour": 4, "minute": 50, "second": 25}
